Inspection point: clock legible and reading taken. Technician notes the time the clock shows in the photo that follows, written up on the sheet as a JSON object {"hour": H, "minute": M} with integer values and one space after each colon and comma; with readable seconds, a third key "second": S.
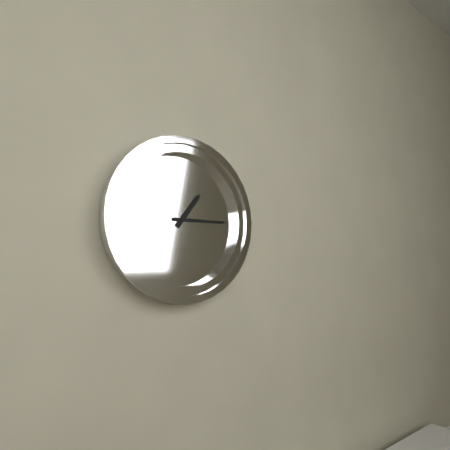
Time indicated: {"hour": 1, "minute": 15}
